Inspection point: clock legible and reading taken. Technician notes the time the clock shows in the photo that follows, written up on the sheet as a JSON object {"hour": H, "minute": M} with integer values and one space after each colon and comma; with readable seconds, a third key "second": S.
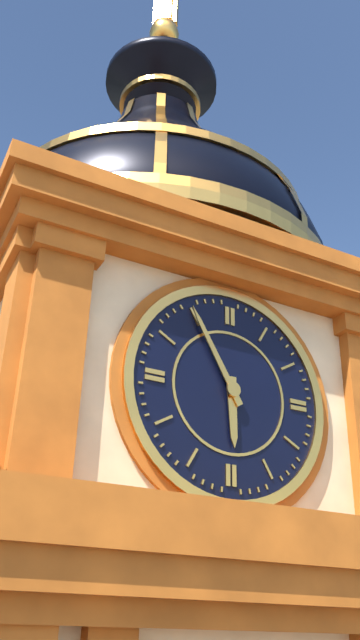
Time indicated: {"hour": 5, "minute": 55}
